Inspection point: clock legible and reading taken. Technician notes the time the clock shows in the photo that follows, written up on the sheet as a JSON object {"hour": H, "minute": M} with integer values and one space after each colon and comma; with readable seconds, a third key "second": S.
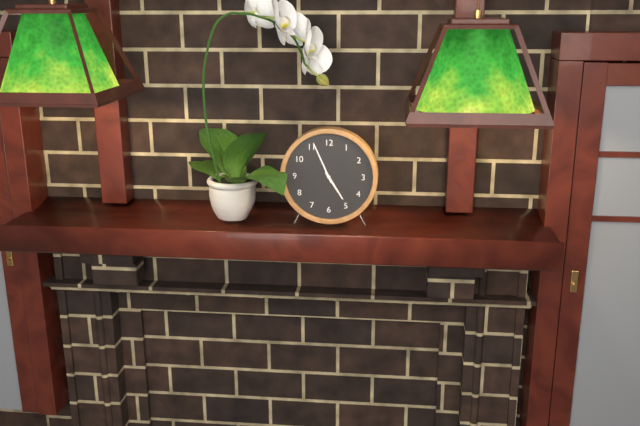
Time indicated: {"hour": 4, "minute": 56}
